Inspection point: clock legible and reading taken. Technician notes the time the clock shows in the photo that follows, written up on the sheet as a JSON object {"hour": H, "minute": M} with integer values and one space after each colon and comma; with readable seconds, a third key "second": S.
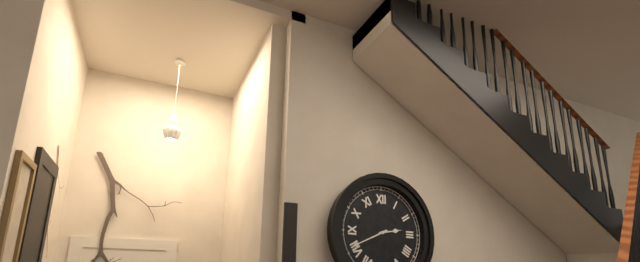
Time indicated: {"hour": 2, "minute": 41}
